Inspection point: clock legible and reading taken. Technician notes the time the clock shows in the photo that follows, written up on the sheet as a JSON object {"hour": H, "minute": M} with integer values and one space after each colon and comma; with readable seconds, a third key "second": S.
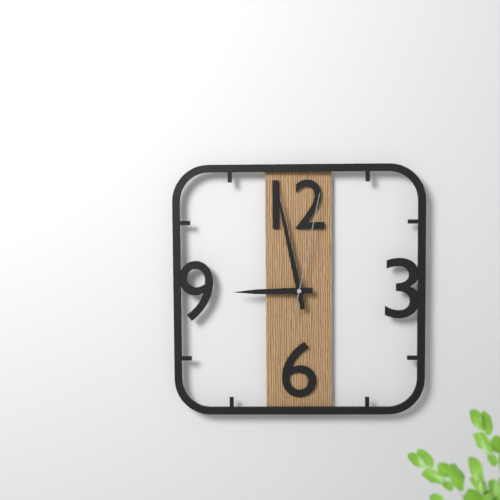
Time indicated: {"hour": 8, "minute": 58, "second": 2}
